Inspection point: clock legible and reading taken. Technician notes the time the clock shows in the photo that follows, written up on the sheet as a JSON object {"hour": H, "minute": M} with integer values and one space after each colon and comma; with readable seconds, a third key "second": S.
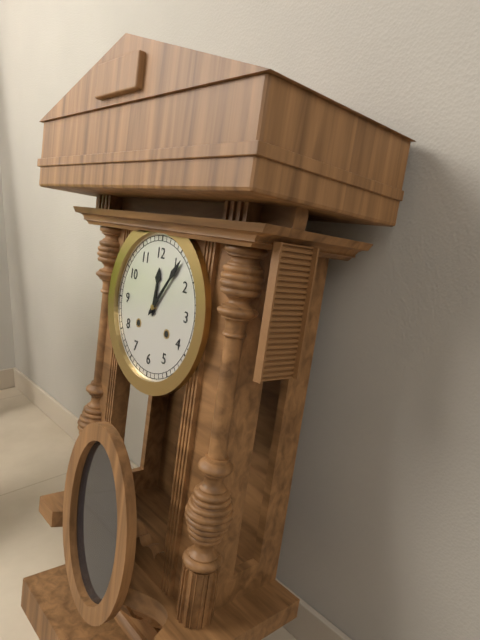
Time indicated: {"hour": 12, "minute": 6}
